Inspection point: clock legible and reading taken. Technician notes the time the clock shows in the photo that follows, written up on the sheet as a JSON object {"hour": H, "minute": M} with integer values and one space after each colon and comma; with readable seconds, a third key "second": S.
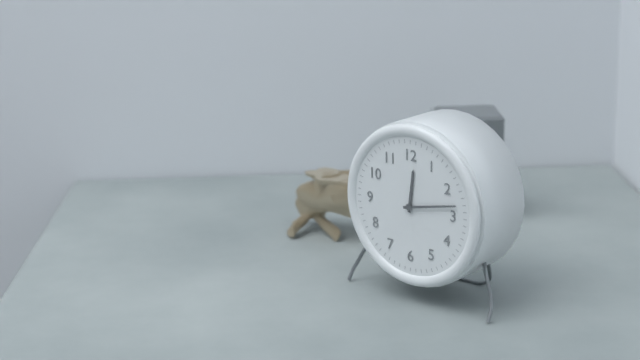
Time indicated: {"hour": 12, "minute": 13}
